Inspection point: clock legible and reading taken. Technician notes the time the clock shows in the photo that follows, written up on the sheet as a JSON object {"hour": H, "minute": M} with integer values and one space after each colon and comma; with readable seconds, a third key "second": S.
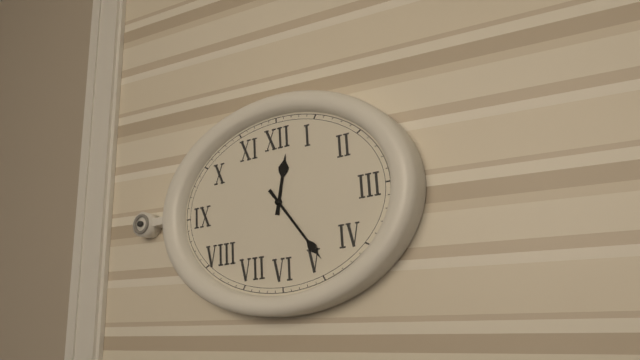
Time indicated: {"hour": 12, "minute": 24}
